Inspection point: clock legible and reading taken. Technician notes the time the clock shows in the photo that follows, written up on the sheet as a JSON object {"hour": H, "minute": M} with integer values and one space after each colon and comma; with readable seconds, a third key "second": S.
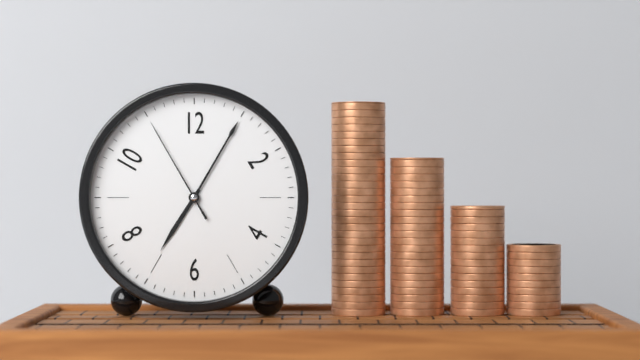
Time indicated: {"hour": 7, "minute": 5, "second": 55}
